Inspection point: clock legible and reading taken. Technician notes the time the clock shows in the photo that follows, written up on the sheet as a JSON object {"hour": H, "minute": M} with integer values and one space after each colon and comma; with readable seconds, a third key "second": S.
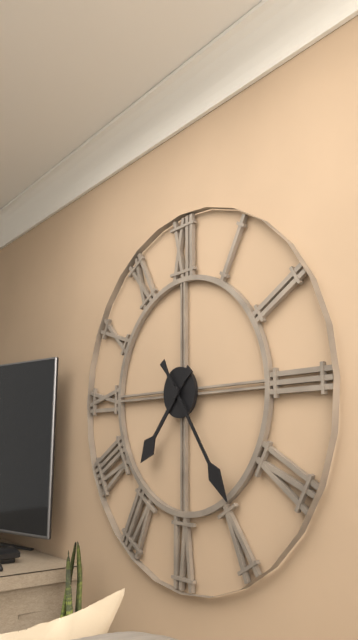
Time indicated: {"hour": 7, "minute": 24}
